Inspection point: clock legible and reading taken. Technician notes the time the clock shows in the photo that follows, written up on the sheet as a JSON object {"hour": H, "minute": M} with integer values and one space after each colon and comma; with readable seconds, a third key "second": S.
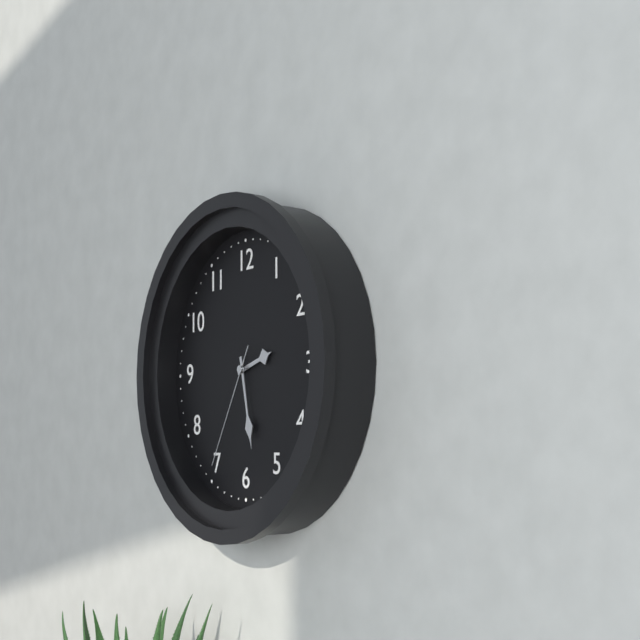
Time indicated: {"hour": 2, "minute": 28, "second": 35}
